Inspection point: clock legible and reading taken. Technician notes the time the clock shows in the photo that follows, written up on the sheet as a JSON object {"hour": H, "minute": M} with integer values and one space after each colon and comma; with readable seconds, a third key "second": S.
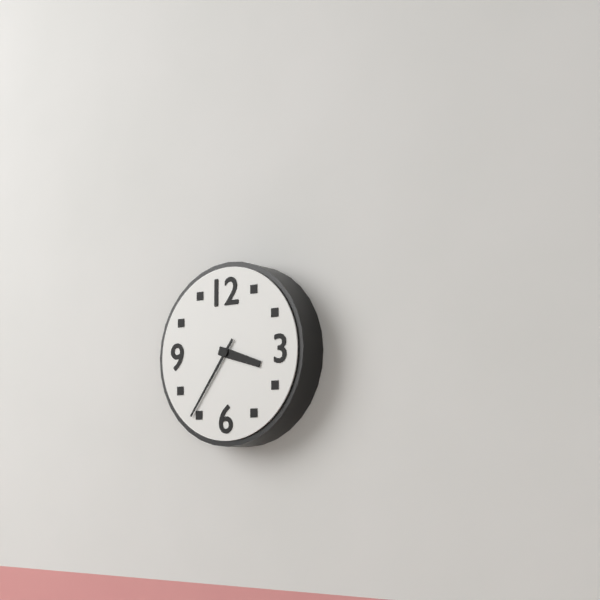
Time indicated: {"hour": 3, "minute": 36}
